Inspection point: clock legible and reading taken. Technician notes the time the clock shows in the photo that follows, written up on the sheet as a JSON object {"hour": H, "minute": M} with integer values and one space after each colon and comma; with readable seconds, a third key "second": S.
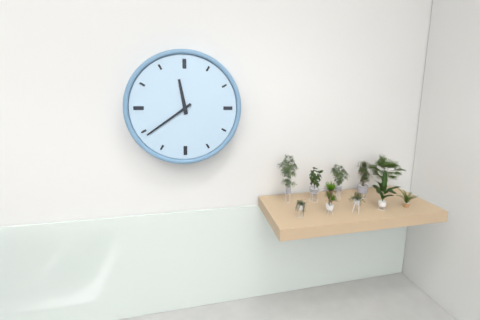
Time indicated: {"hour": 11, "minute": 39}
